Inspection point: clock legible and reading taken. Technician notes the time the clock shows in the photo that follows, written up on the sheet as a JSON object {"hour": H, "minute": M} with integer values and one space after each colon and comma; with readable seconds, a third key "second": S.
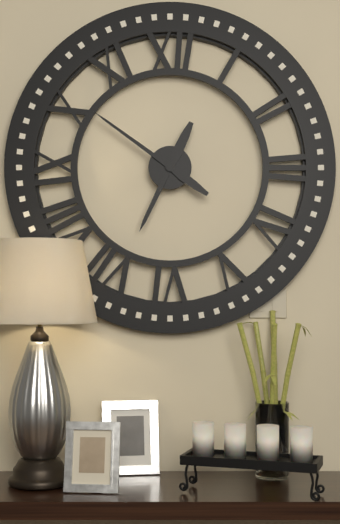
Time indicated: {"hour": 6, "minute": 51}
